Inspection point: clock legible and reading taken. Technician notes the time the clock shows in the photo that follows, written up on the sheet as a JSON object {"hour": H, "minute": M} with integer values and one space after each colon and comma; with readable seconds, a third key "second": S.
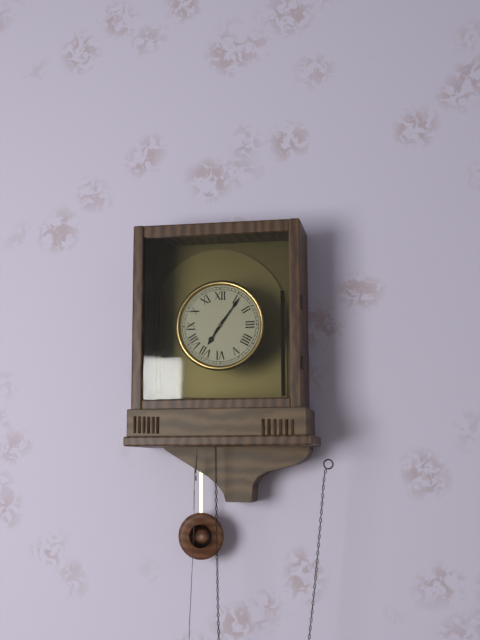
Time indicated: {"hour": 7, "minute": 6}
